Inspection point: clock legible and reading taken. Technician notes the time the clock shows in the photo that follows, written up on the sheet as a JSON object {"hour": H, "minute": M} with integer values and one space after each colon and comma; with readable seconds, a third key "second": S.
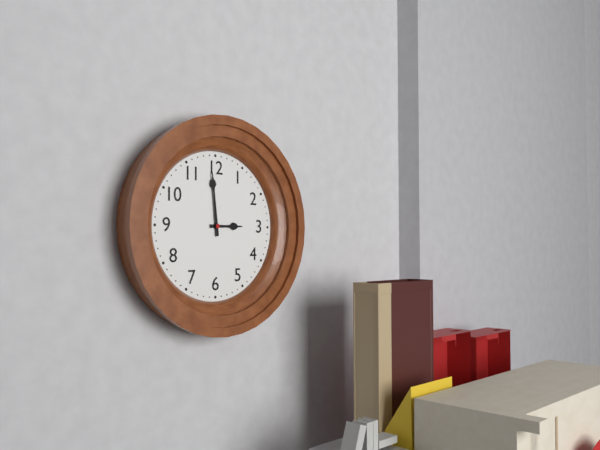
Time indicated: {"hour": 2, "minute": 59}
